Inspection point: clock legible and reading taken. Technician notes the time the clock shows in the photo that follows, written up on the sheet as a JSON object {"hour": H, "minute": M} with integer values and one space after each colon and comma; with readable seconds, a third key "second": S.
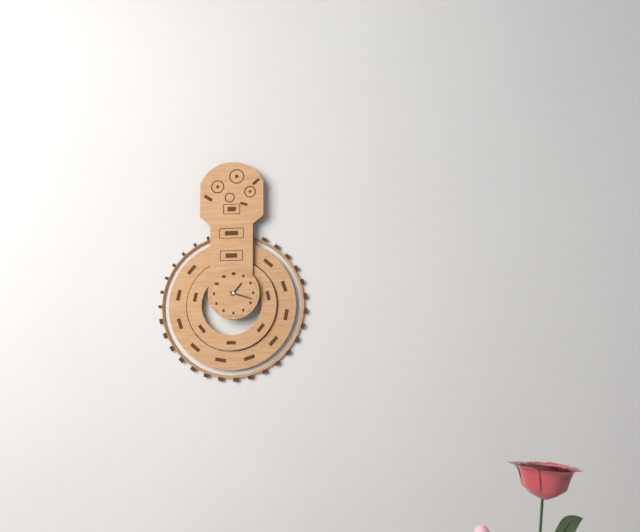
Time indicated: {"hour": 1, "minute": 18}
